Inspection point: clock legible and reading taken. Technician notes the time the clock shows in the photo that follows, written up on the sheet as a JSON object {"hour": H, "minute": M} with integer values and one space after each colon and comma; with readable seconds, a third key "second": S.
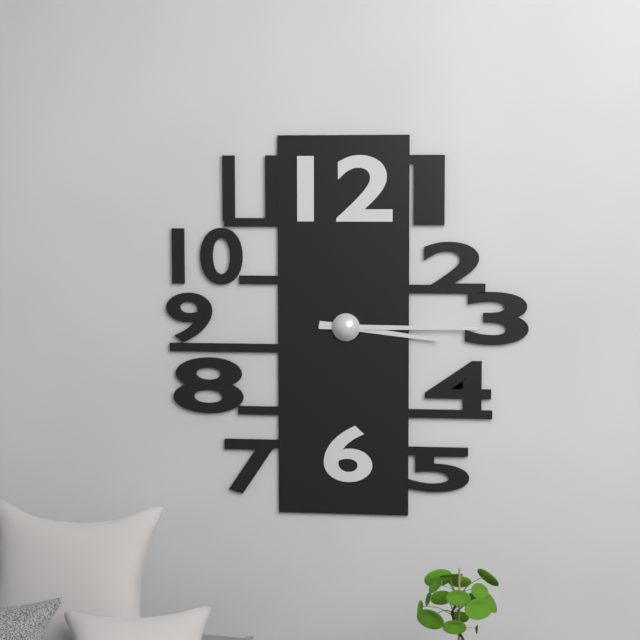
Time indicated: {"hour": 3, "minute": 15}
